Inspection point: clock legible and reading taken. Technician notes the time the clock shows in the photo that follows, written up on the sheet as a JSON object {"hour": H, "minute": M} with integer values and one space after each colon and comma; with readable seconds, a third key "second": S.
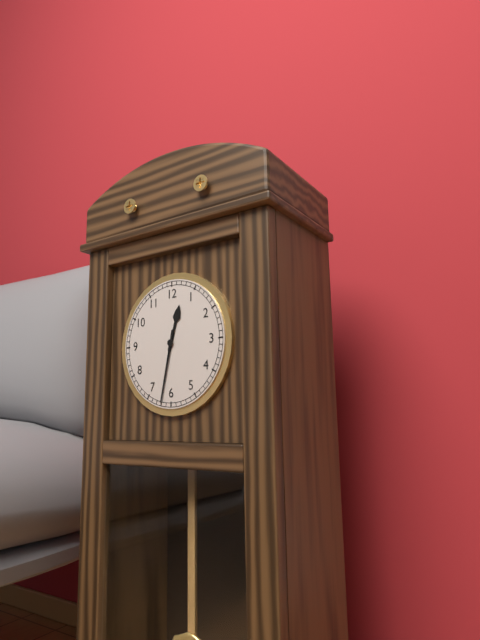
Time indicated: {"hour": 12, "minute": 32}
